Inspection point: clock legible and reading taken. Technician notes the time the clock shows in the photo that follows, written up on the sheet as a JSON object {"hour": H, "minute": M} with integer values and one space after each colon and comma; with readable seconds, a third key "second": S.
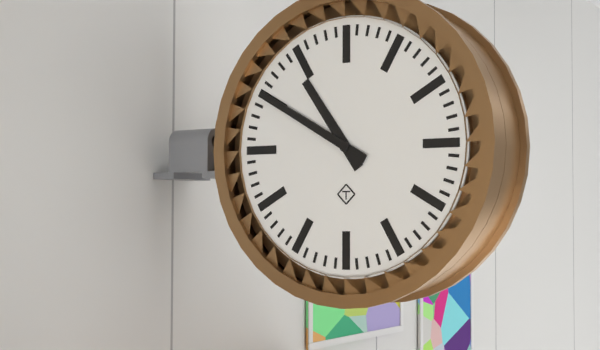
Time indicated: {"hour": 10, "minute": 50}
